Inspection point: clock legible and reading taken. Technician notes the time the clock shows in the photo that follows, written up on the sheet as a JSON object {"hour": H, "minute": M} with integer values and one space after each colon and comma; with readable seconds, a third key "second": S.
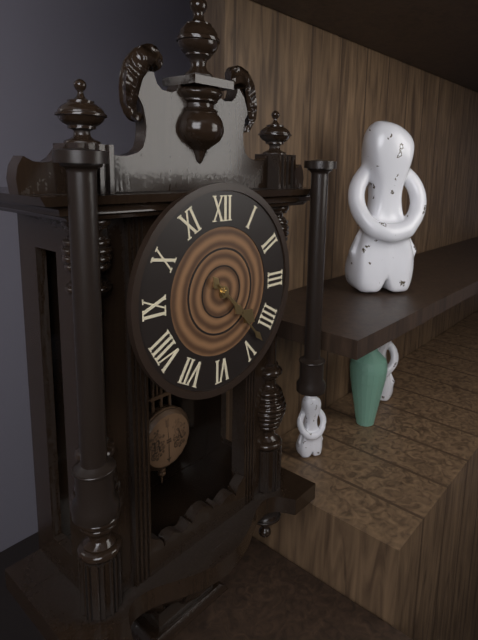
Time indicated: {"hour": 4, "minute": 23}
